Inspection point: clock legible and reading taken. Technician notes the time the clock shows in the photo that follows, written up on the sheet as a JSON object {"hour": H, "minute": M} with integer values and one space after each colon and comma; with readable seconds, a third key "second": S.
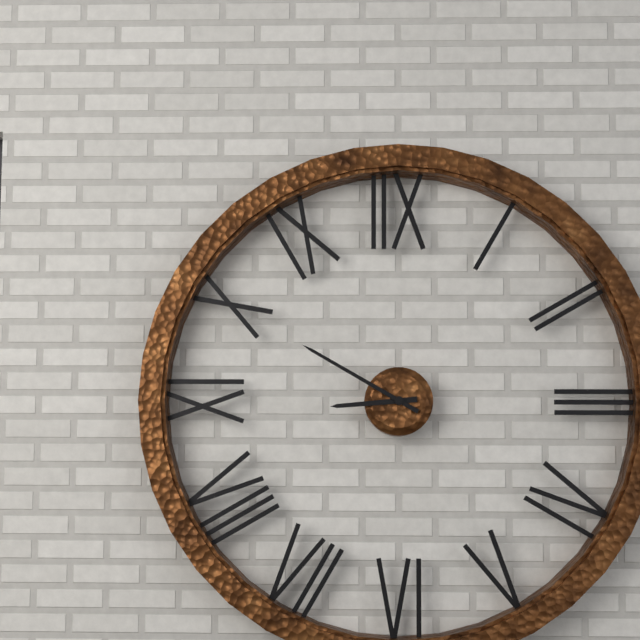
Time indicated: {"hour": 8, "minute": 50}
